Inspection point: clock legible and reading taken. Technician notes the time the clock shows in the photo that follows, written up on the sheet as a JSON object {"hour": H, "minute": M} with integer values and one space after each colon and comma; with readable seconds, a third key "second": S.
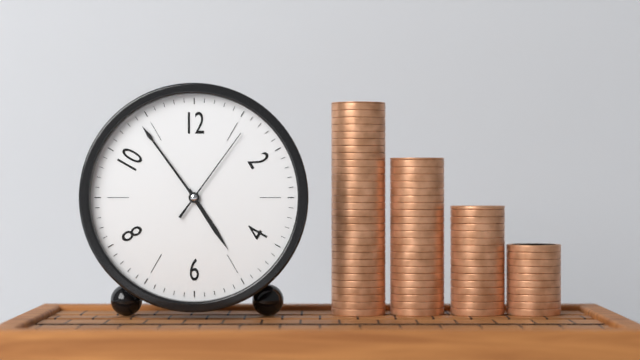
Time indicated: {"hour": 4, "minute": 54, "second": 6}
